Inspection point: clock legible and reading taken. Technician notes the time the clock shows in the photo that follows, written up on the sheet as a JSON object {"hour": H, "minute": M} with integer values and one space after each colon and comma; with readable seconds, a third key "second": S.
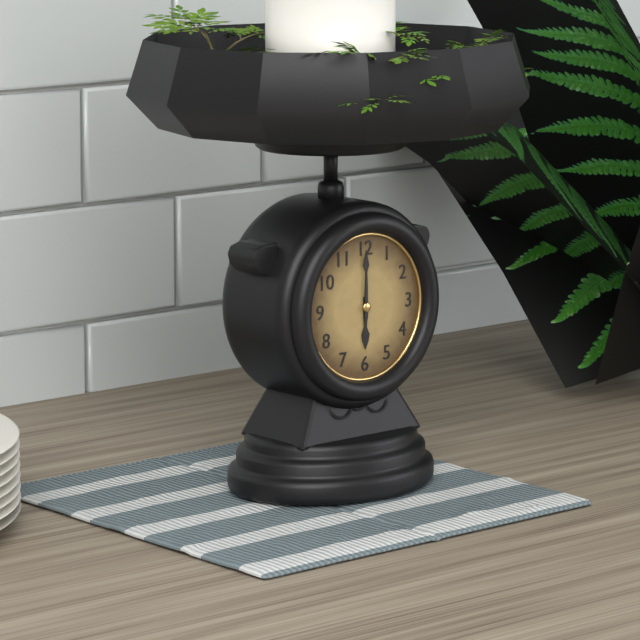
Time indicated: {"hour": 6, "minute": 0}
